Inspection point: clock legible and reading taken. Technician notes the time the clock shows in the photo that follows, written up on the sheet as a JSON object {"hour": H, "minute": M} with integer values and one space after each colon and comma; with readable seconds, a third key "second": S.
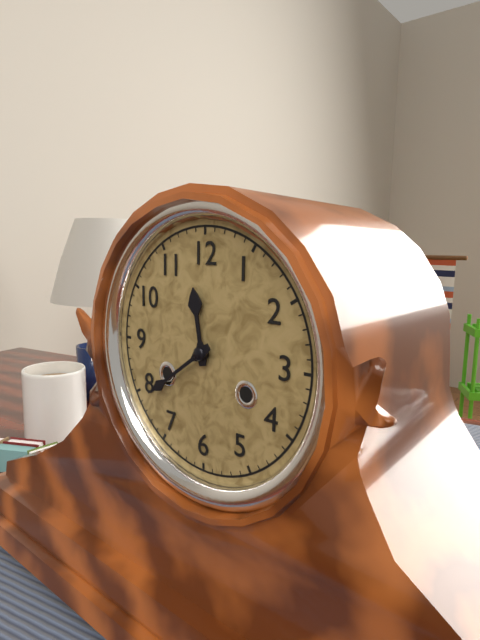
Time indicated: {"hour": 11, "minute": 39}
